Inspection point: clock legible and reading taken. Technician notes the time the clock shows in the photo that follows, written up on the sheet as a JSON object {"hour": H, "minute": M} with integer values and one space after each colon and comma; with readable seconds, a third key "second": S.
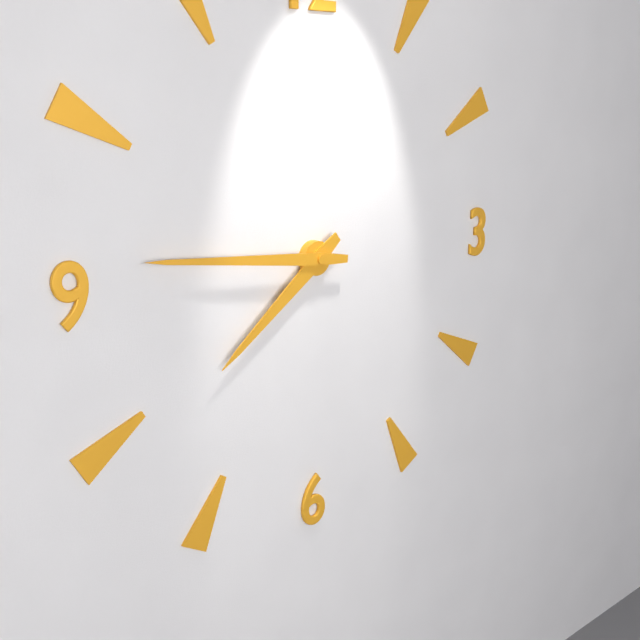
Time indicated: {"hour": 7, "minute": 46}
